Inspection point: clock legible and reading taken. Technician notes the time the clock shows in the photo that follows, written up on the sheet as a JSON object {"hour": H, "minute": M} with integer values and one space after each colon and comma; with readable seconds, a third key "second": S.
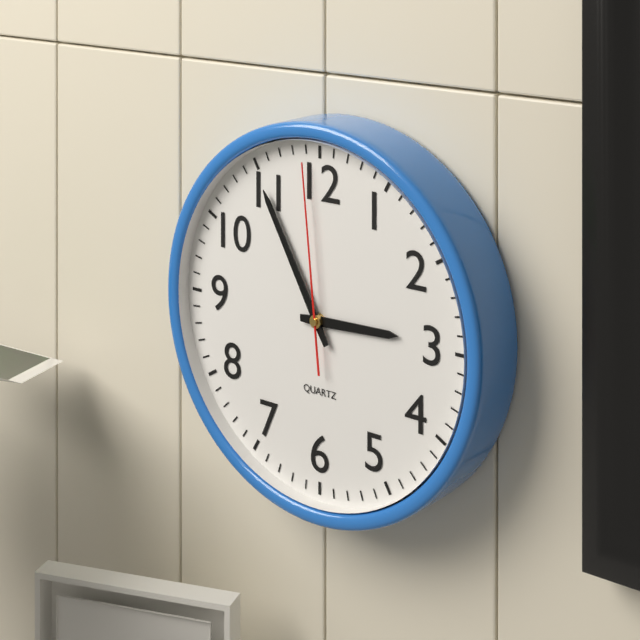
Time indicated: {"hour": 2, "minute": 55, "second": 59}
